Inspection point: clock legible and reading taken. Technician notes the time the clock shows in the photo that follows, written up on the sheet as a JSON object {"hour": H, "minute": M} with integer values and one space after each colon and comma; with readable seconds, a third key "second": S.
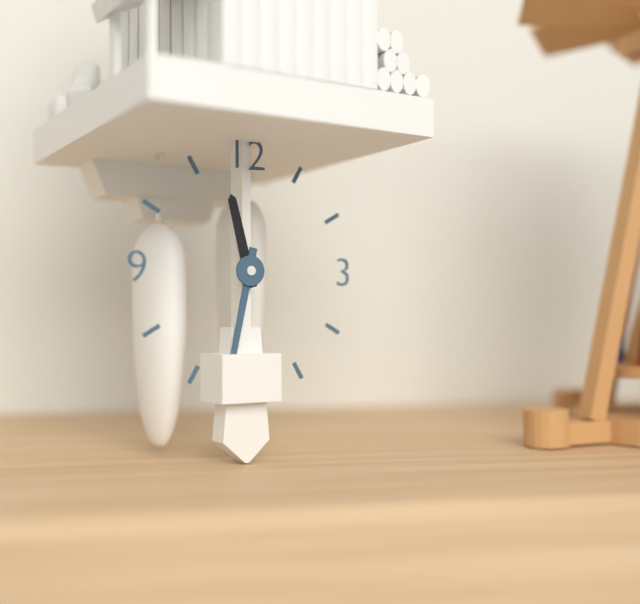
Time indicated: {"hour": 11, "minute": 32}
